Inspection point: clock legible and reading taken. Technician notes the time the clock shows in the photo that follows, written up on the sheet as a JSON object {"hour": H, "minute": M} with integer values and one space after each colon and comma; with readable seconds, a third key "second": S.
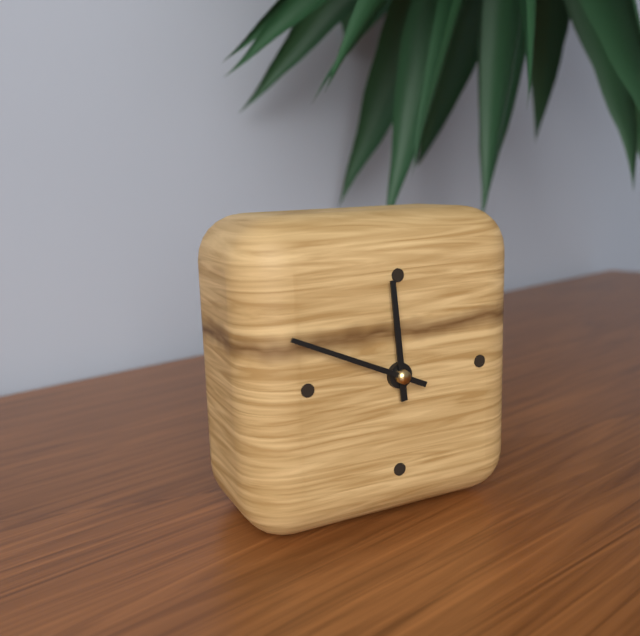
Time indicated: {"hour": 11, "minute": 49}
